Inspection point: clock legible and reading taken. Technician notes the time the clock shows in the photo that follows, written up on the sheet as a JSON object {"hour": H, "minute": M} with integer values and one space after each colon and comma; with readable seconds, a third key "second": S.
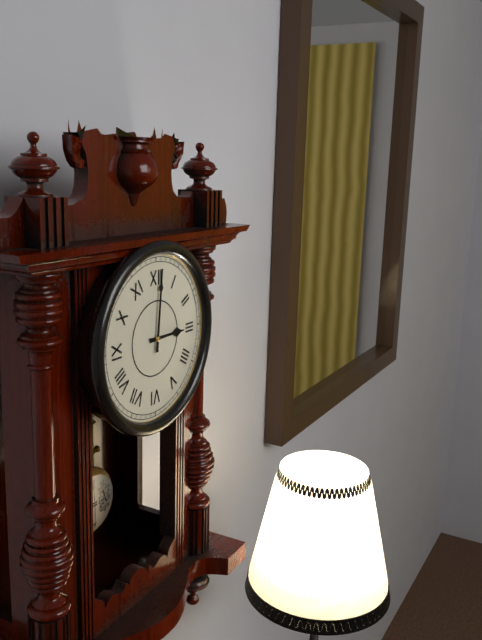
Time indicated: {"hour": 3, "minute": 1}
